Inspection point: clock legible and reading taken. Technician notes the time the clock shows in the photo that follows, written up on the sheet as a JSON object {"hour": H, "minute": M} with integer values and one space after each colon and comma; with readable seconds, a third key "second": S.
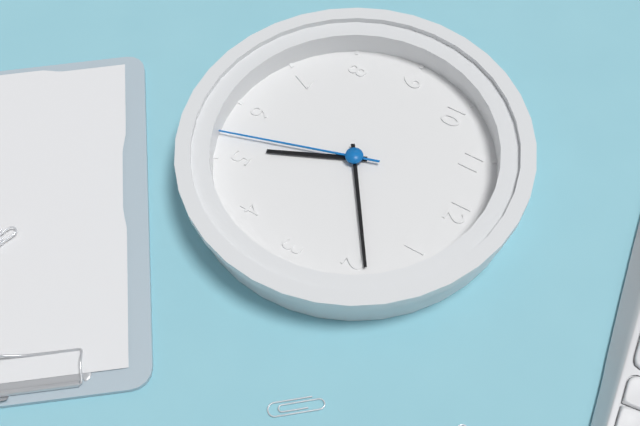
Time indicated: {"hour": 5, "minute": 9, "second": 27}
